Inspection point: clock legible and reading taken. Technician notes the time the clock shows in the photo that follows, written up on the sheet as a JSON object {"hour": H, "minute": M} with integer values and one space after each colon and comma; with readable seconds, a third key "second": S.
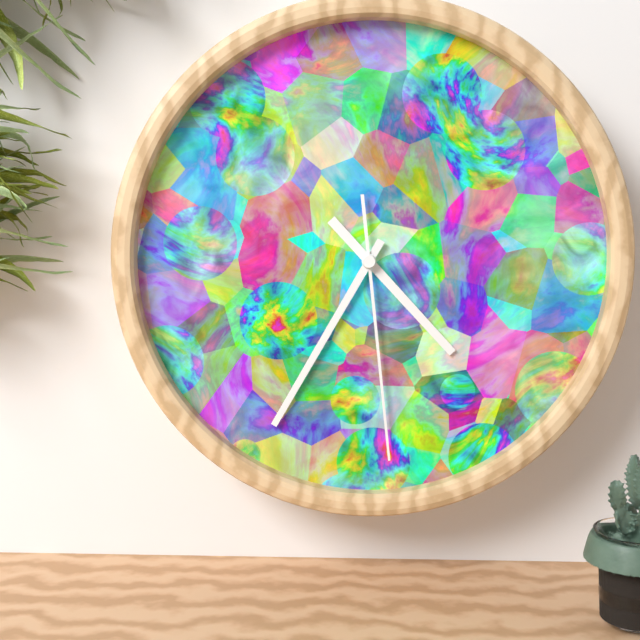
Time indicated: {"hour": 4, "minute": 35, "second": 29}
